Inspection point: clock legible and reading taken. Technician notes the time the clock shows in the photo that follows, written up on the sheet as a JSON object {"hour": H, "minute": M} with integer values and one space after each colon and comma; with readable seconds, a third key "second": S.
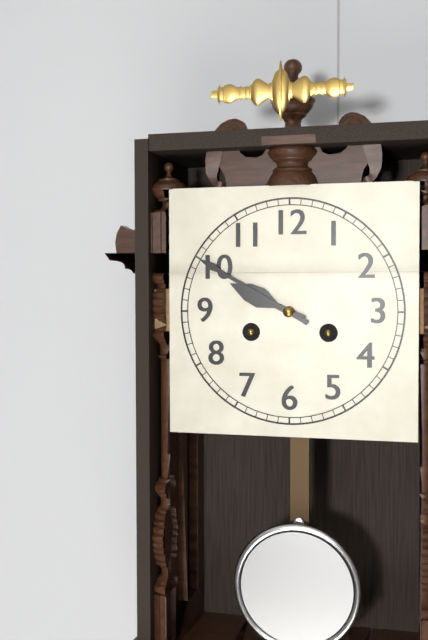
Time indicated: {"hour": 9, "minute": 50}
